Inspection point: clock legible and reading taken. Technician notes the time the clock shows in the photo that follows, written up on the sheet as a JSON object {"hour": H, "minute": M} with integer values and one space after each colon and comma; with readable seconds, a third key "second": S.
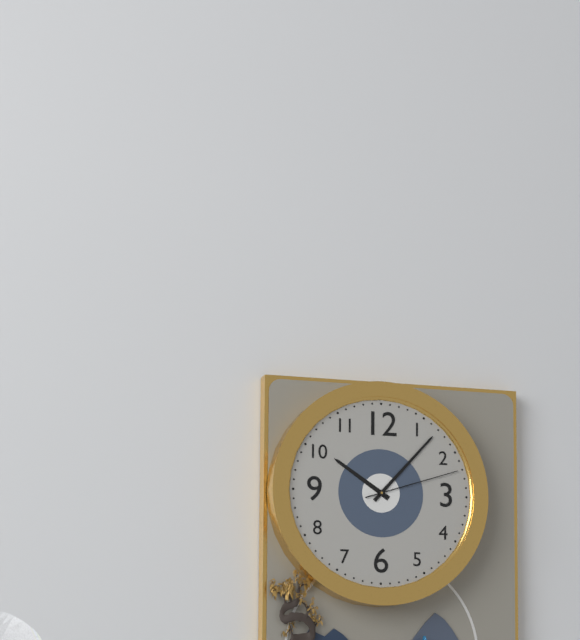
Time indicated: {"hour": 10, "minute": 7, "second": 12}
